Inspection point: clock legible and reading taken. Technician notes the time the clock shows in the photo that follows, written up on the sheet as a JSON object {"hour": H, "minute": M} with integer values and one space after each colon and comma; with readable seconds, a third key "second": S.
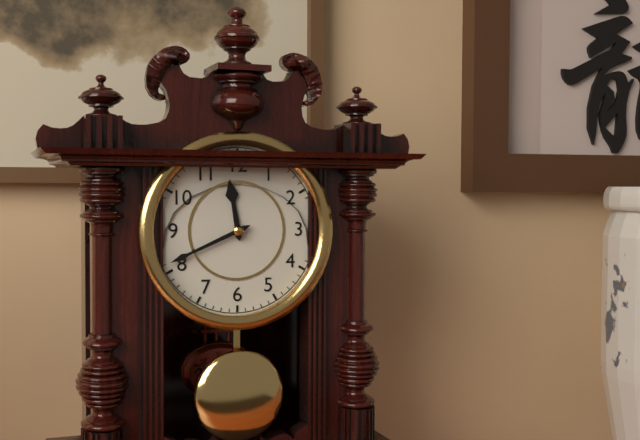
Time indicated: {"hour": 11, "minute": 41}
